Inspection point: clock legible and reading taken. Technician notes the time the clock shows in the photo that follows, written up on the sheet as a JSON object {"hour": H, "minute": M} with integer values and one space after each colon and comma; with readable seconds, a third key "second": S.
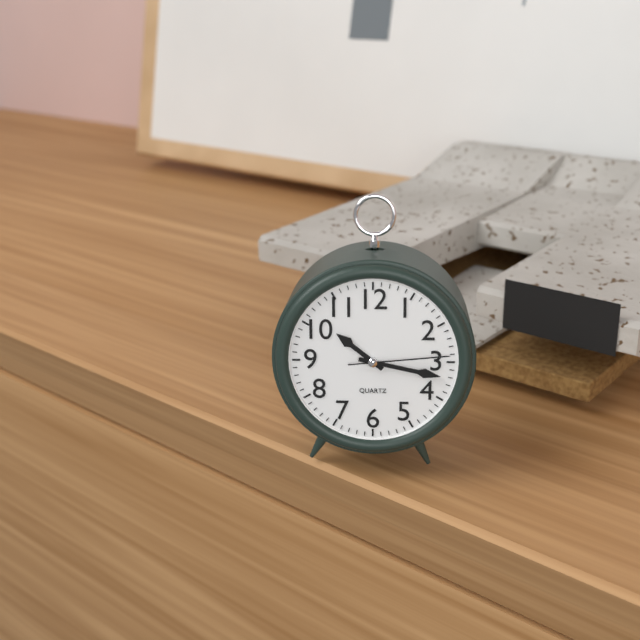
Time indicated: {"hour": 10, "minute": 17, "second": 14}
